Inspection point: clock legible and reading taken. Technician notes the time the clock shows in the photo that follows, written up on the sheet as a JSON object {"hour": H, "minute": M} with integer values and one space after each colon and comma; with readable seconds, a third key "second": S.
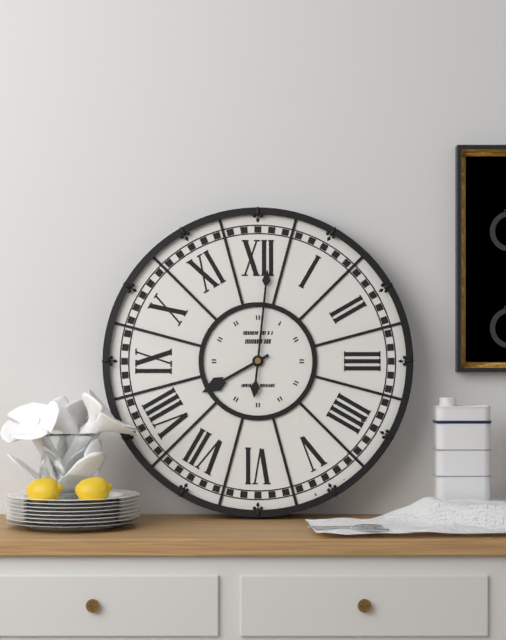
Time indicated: {"hour": 8, "minute": 1}
